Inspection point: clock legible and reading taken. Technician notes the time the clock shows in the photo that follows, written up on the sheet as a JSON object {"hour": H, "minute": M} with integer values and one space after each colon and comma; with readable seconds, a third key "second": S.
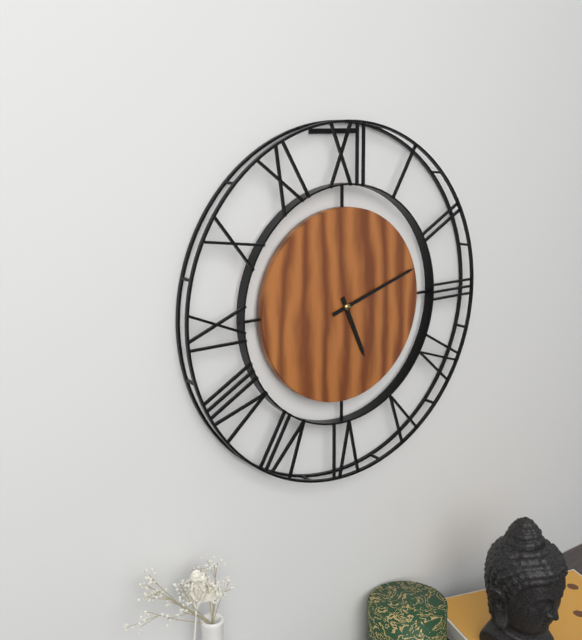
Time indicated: {"hour": 5, "minute": 12}
